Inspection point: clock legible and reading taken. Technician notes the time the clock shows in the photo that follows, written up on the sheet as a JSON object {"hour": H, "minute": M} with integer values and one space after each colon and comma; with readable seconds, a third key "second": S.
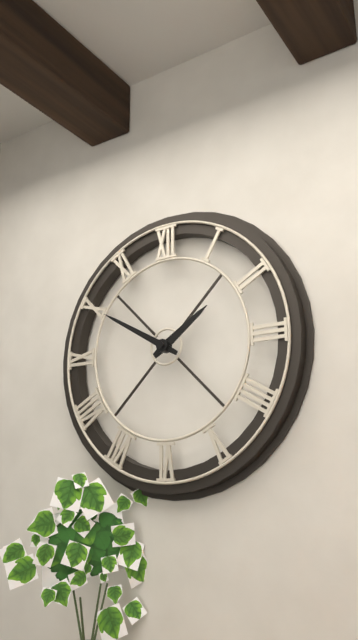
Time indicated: {"hour": 1, "minute": 50}
